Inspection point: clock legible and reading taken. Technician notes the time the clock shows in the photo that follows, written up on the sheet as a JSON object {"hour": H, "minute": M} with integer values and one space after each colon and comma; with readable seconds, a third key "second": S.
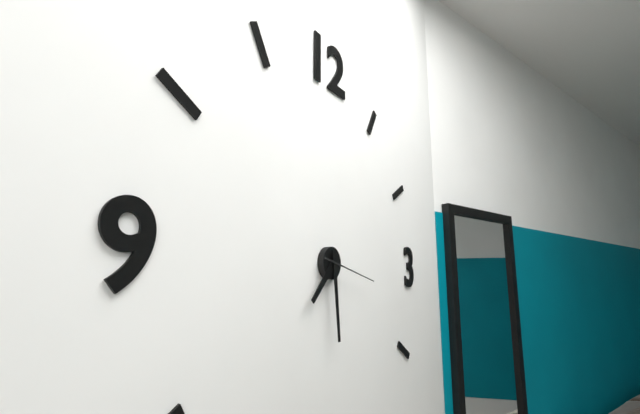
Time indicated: {"hour": 7, "minute": 29, "second": 17}
